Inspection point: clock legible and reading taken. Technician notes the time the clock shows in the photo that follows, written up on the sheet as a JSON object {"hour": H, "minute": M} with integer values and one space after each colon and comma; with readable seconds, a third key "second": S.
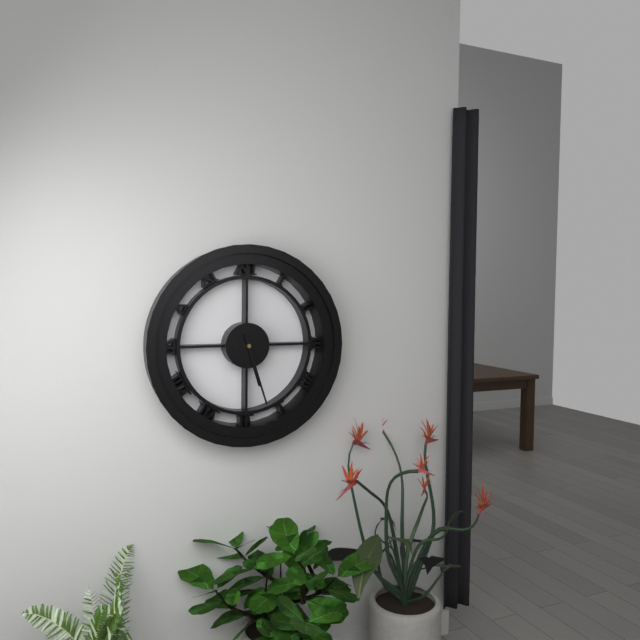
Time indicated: {"hour": 5, "minute": 27}
